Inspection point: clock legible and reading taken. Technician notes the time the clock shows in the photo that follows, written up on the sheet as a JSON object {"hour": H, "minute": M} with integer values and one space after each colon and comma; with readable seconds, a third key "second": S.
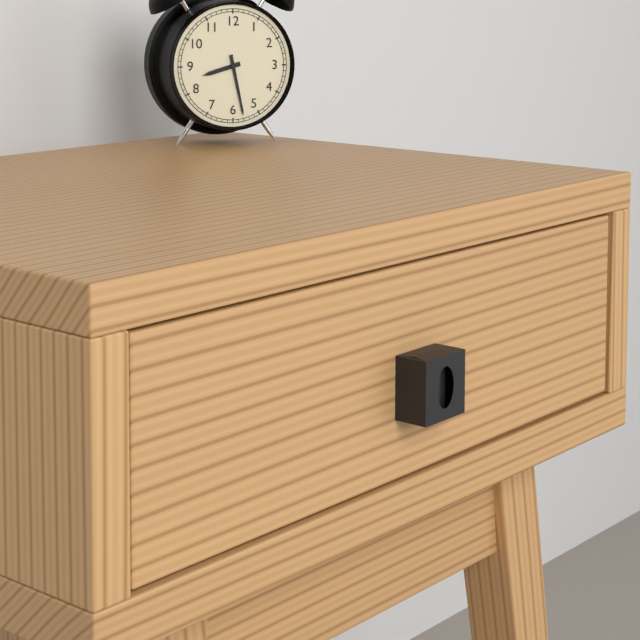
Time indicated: {"hour": 8, "minute": 28}
